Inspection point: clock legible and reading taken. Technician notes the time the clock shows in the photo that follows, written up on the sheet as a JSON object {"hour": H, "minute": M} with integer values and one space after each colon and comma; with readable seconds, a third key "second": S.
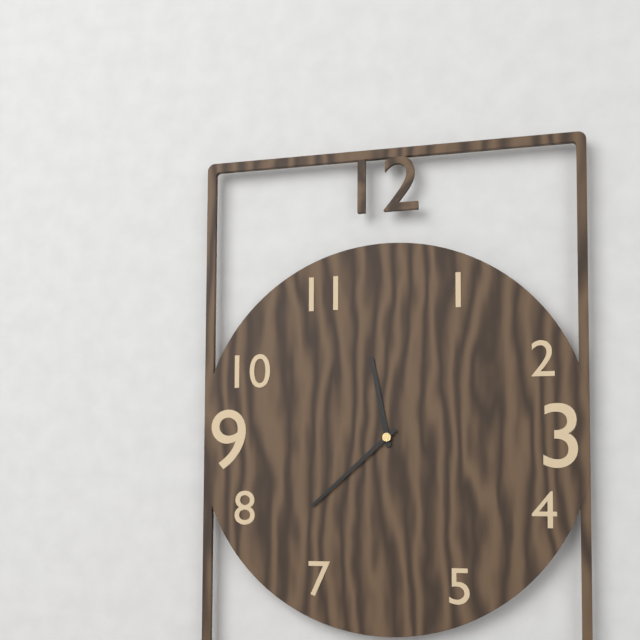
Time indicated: {"hour": 11, "minute": 38}
